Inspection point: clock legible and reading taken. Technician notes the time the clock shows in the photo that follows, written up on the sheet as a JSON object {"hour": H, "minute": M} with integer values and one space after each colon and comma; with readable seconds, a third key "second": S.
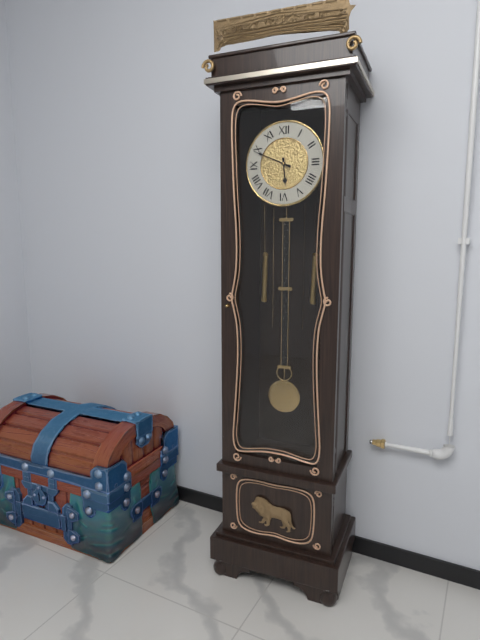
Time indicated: {"hour": 5, "minute": 49}
